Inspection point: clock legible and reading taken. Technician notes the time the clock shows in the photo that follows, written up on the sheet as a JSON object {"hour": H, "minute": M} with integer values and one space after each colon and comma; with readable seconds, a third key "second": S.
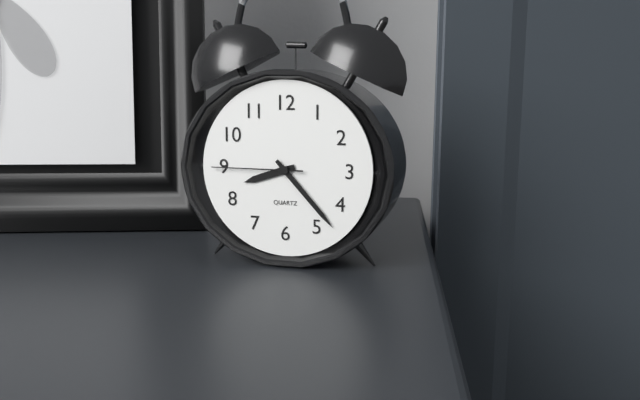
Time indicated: {"hour": 8, "minute": 23, "second": 45}
